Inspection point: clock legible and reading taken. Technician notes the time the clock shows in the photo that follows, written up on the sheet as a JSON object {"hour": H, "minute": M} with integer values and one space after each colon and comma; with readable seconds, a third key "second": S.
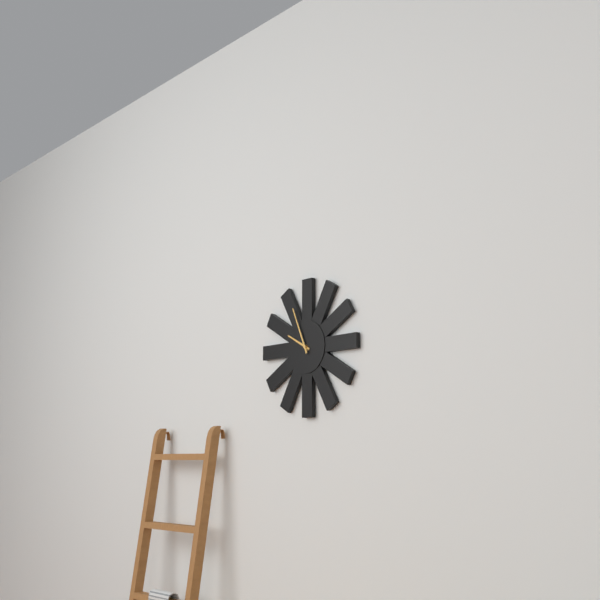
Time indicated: {"hour": 9, "minute": 56}
